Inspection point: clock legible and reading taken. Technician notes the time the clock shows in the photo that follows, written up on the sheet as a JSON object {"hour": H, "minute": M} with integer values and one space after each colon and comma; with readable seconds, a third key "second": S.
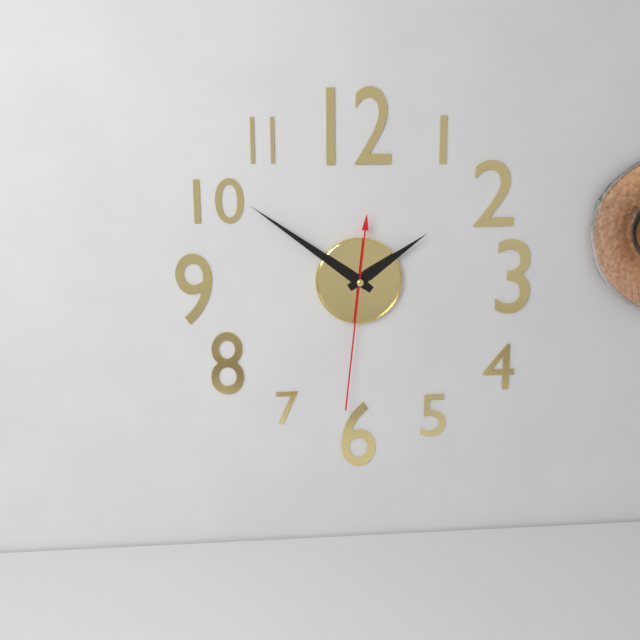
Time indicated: {"hour": 1, "minute": 51, "second": 31}
